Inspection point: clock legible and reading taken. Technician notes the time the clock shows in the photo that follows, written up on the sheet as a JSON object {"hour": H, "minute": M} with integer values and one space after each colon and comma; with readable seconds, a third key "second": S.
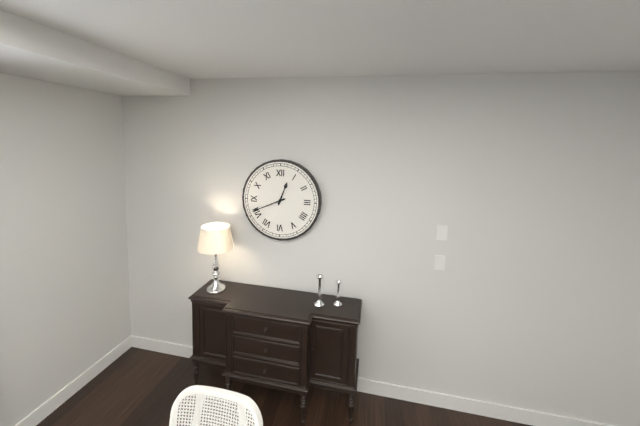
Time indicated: {"hour": 12, "minute": 41}
